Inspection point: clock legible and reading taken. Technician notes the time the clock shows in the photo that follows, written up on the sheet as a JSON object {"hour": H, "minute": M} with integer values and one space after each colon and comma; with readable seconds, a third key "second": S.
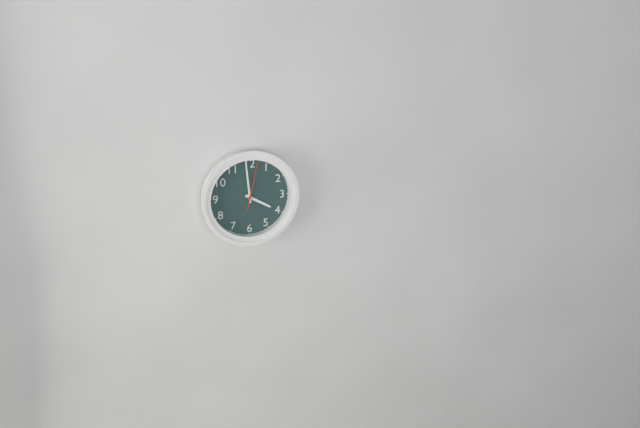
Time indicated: {"hour": 3, "minute": 59, "second": 2}
